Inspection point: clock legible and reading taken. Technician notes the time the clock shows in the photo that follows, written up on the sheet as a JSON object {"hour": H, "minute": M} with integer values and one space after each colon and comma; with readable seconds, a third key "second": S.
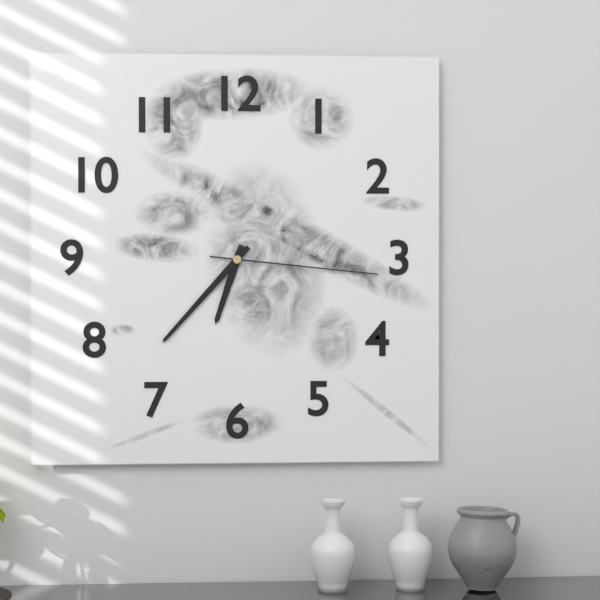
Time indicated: {"hour": 6, "minute": 37, "second": 16}
